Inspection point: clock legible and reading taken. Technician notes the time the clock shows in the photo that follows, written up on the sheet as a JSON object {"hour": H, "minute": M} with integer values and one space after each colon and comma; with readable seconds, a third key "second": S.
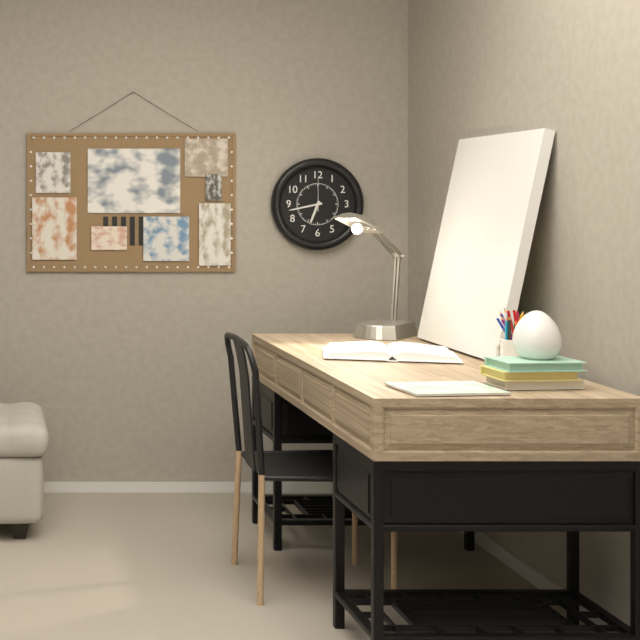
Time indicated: {"hour": 6, "minute": 43}
